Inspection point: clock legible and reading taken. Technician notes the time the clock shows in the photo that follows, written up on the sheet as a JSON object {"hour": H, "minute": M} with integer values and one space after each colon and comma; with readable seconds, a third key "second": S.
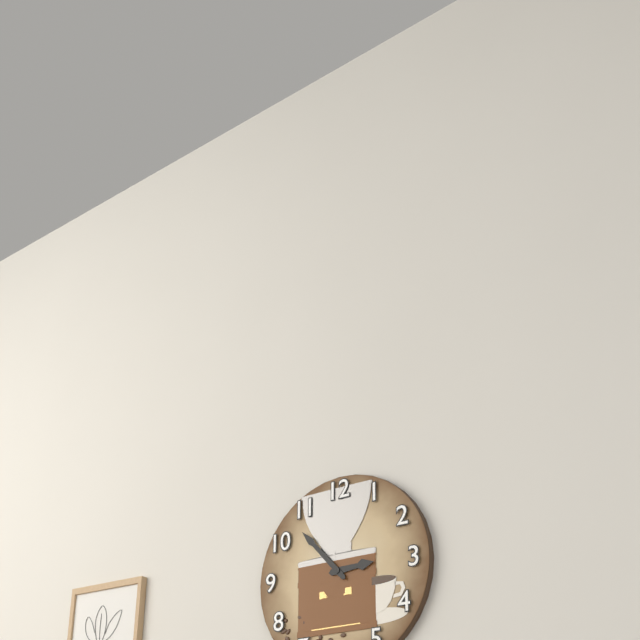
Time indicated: {"hour": 2, "minute": 53}
